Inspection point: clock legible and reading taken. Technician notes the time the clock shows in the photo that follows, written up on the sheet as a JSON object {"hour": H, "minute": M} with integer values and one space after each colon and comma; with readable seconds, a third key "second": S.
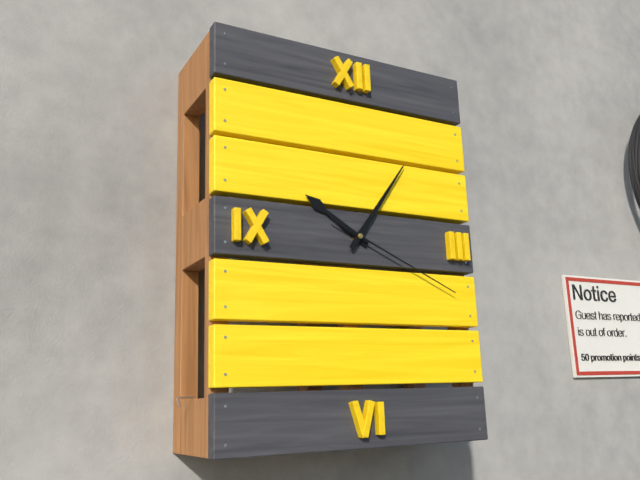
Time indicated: {"hour": 10, "minute": 6, "second": 19}
